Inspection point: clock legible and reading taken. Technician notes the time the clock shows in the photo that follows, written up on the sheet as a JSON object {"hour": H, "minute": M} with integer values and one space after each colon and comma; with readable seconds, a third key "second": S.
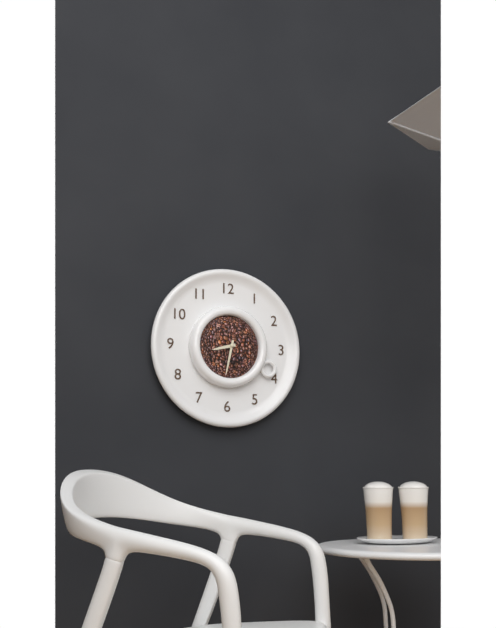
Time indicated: {"hour": 8, "minute": 32}
